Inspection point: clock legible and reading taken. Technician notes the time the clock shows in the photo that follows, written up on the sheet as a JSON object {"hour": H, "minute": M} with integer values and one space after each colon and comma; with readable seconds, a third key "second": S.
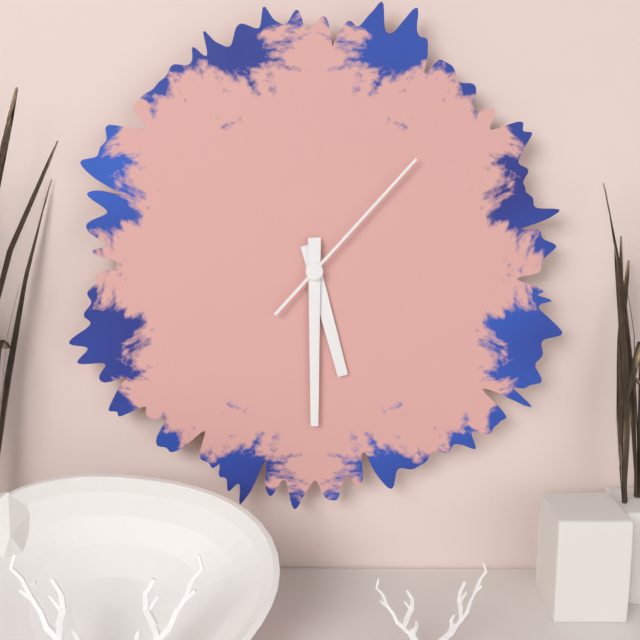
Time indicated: {"hour": 5, "minute": 30, "second": 7}
